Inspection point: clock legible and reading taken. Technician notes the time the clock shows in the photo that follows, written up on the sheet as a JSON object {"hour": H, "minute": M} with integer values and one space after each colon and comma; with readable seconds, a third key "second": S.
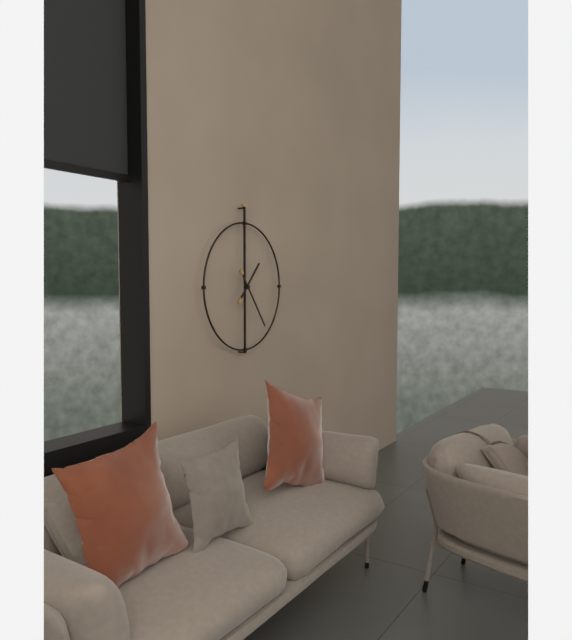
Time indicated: {"hour": 1, "minute": 24}
